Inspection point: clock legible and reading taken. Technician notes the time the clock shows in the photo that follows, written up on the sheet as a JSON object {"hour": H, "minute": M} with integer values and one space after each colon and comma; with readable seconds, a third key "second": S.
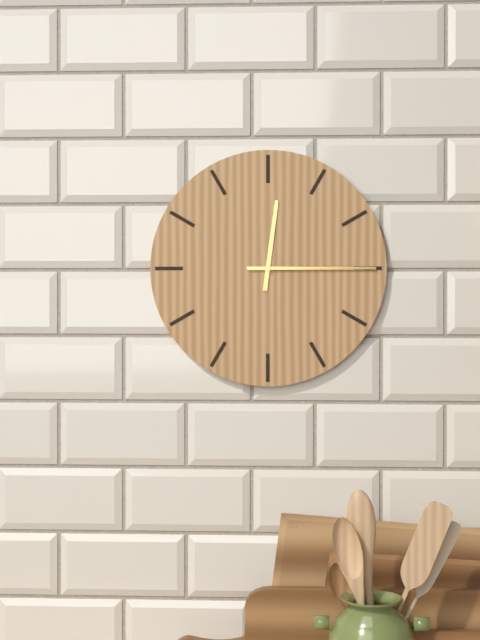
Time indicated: {"hour": 12, "minute": 15}
